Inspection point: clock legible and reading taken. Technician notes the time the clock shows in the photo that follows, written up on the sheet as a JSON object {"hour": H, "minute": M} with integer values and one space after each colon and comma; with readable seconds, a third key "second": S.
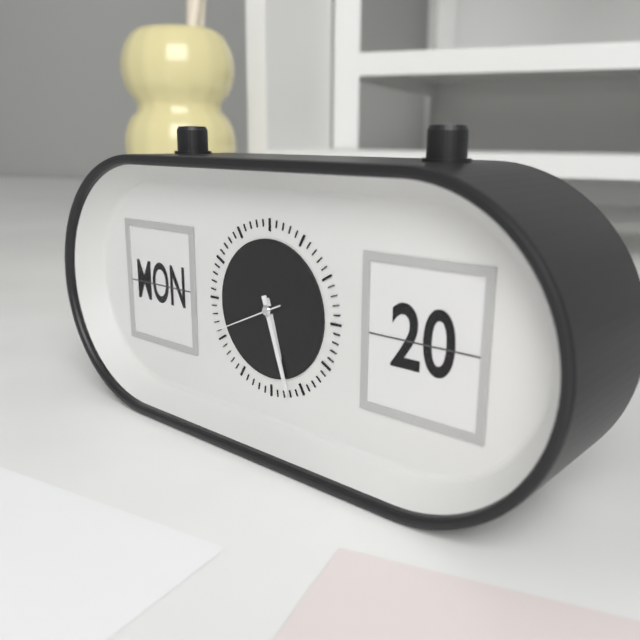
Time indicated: {"hour": 5, "minute": 27, "second": 41}
